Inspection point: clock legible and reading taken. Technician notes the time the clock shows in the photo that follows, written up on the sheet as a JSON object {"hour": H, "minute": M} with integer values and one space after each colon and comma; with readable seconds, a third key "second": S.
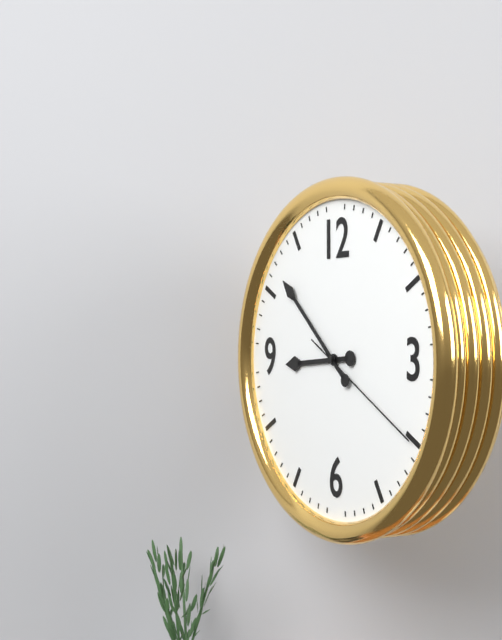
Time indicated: {"hour": 8, "minute": 52, "second": 20}
